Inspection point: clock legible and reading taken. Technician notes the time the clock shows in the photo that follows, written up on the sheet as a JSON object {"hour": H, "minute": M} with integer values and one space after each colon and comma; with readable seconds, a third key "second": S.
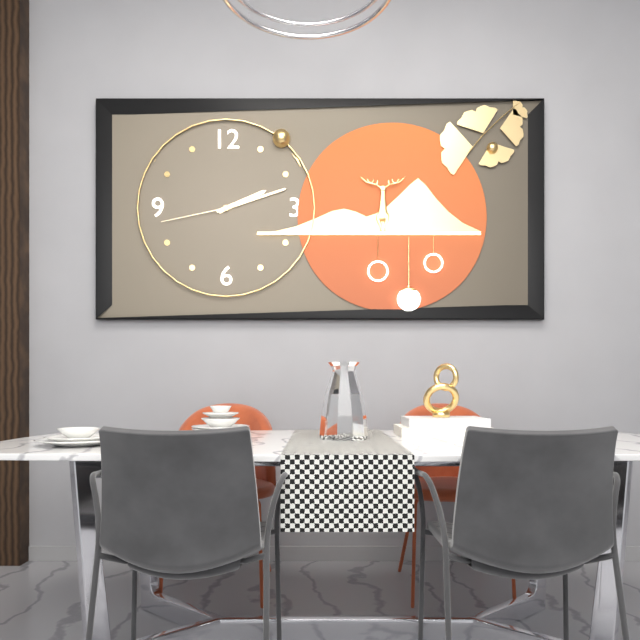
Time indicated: {"hour": 2, "minute": 12, "second": 43}
